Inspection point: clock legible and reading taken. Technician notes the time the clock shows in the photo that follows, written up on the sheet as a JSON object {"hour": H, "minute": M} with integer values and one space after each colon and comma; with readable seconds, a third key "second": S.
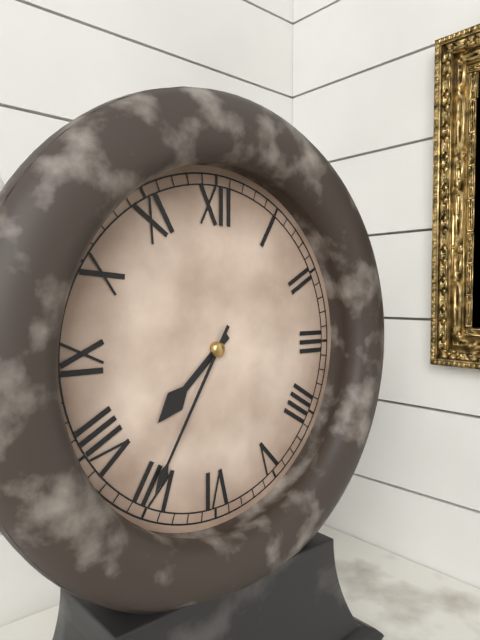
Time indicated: {"hour": 7, "minute": 35}
